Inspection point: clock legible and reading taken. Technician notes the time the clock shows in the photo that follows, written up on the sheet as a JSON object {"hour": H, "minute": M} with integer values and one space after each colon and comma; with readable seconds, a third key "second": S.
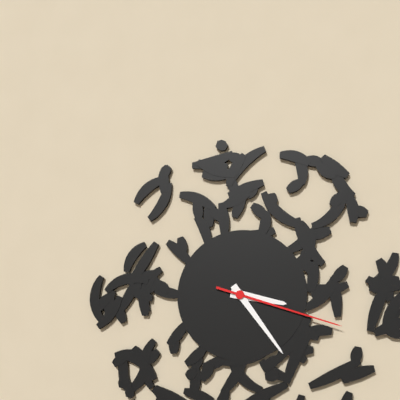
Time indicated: {"hour": 3, "minute": 24, "second": 18}
